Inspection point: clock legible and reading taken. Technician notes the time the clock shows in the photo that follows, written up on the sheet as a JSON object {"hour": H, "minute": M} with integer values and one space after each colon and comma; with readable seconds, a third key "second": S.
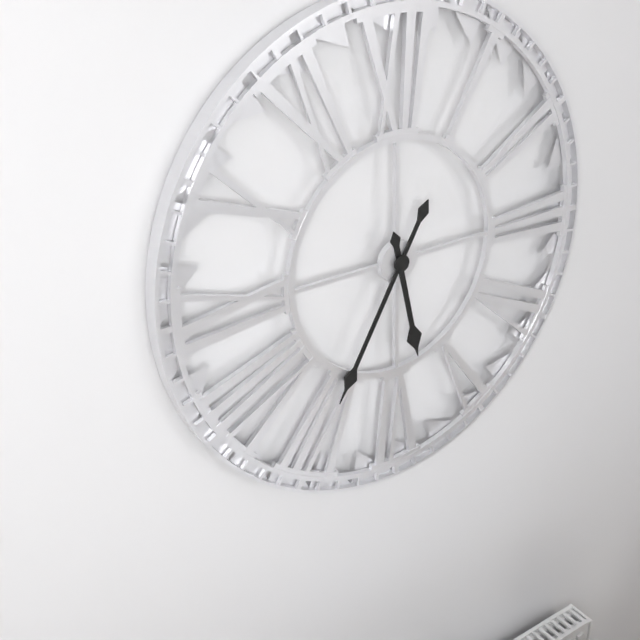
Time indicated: {"hour": 5, "minute": 35}
